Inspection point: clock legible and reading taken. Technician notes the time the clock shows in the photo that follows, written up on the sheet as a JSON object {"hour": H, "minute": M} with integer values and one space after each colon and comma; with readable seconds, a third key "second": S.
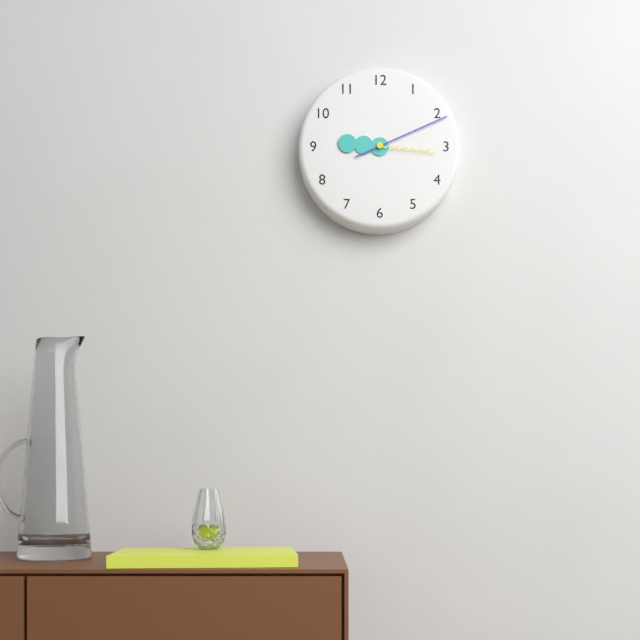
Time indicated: {"hour": 9, "minute": 11, "second": 16}
